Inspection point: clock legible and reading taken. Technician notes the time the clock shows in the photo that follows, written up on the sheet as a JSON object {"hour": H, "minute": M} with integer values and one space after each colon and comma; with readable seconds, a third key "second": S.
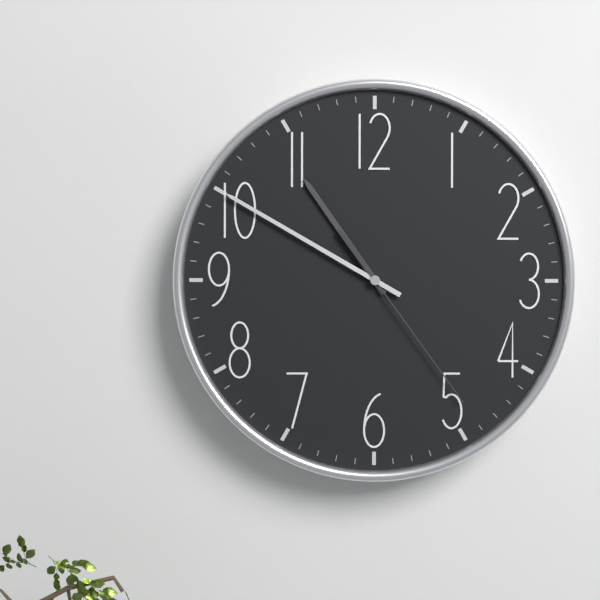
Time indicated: {"hour": 10, "minute": 50, "second": 24}
